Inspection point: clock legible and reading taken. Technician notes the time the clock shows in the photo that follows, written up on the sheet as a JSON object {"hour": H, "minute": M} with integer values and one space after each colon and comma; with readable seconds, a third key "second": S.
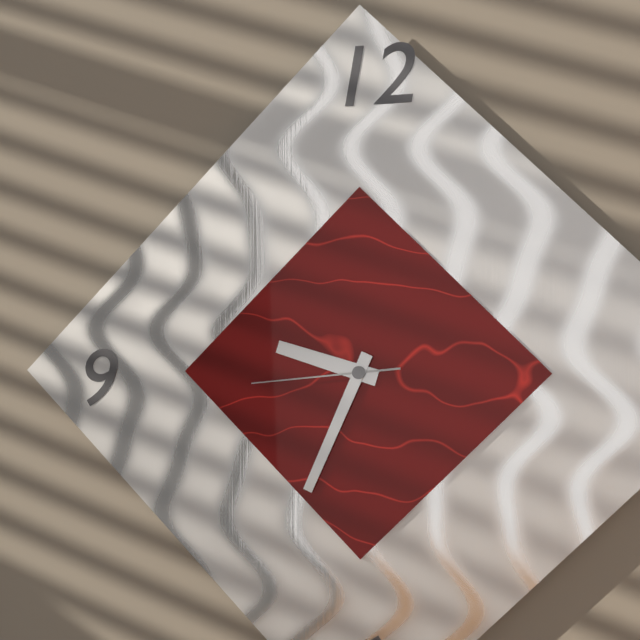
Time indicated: {"hour": 9, "minute": 34, "second": 44}
